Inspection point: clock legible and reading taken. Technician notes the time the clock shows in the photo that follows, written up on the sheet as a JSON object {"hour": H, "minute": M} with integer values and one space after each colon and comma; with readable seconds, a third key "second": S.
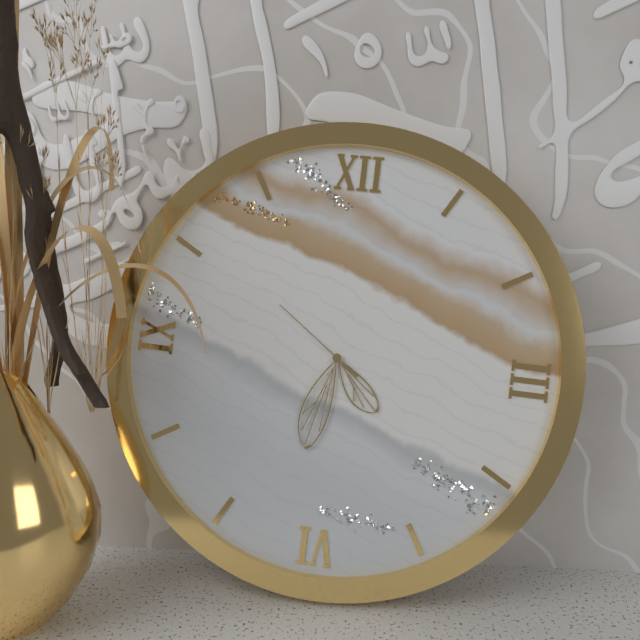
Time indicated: {"hour": 4, "minute": 32, "second": 51}
